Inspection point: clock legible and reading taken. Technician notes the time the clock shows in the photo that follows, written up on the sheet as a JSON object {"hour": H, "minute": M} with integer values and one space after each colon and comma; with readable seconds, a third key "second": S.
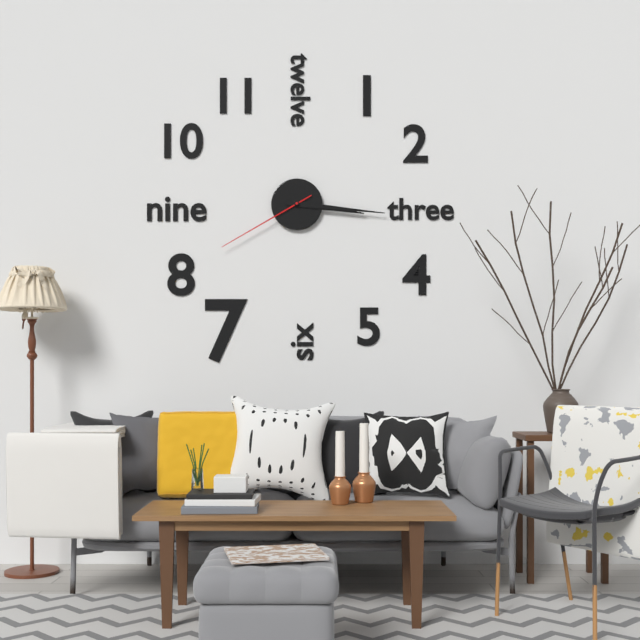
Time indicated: {"hour": 3, "minute": 16, "second": 40}
